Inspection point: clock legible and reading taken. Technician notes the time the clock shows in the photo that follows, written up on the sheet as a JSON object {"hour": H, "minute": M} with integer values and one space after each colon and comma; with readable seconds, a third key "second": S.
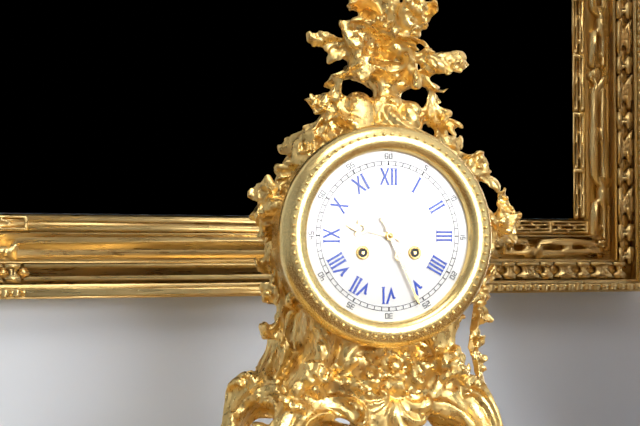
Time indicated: {"hour": 9, "minute": 26}
